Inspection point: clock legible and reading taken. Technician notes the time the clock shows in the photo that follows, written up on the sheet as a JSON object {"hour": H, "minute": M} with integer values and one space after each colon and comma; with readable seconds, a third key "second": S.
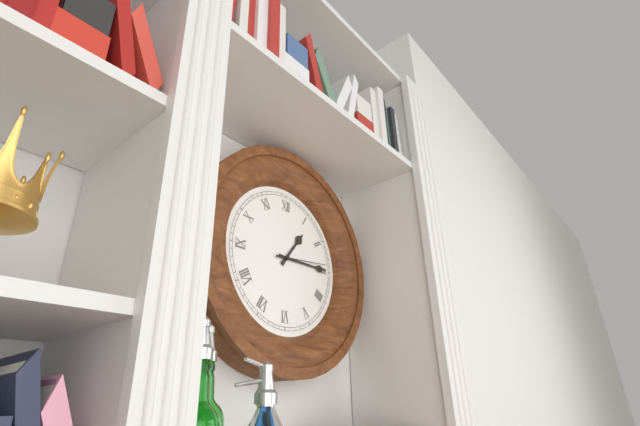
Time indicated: {"hour": 1, "minute": 15, "second": 14}
